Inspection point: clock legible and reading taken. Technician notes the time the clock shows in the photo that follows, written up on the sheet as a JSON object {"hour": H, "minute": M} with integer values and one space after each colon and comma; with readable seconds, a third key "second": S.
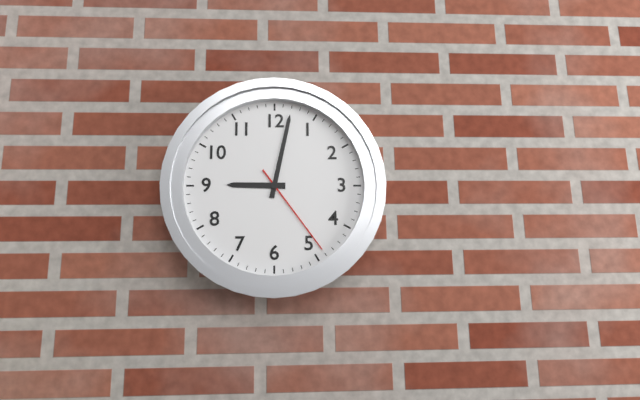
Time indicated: {"hour": 9, "minute": 2, "second": 24}
